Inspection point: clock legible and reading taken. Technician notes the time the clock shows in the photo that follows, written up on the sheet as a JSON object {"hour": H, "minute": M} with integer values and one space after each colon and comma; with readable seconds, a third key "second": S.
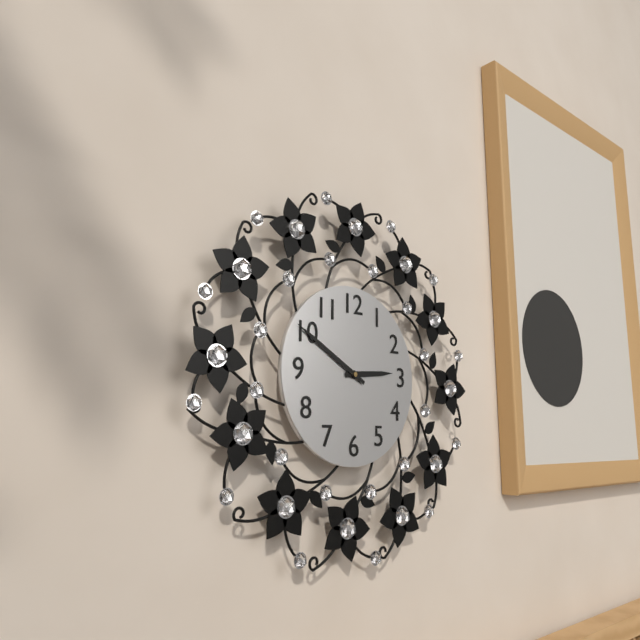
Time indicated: {"hour": 2, "minute": 50}
